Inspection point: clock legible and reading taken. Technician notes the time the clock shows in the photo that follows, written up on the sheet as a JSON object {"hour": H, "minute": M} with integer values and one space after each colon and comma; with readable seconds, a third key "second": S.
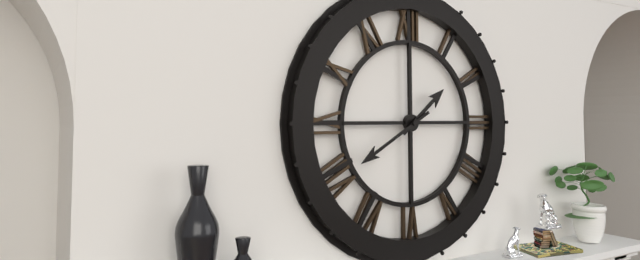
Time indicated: {"hour": 1, "minute": 40}
